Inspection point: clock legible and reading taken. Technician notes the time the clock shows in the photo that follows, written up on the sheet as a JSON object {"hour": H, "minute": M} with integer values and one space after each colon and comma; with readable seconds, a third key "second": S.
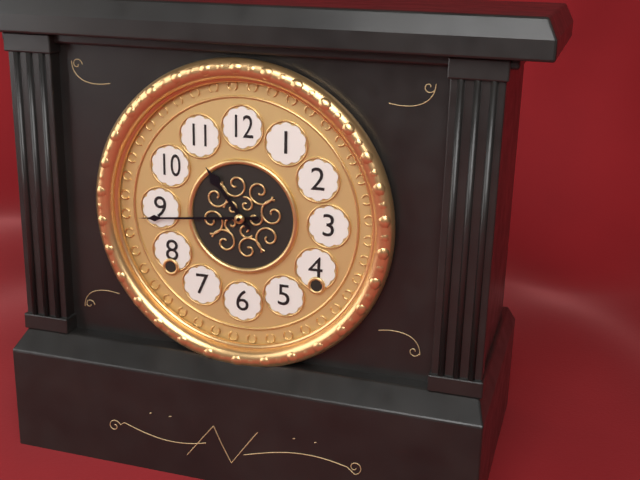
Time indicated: {"hour": 10, "minute": 44}
